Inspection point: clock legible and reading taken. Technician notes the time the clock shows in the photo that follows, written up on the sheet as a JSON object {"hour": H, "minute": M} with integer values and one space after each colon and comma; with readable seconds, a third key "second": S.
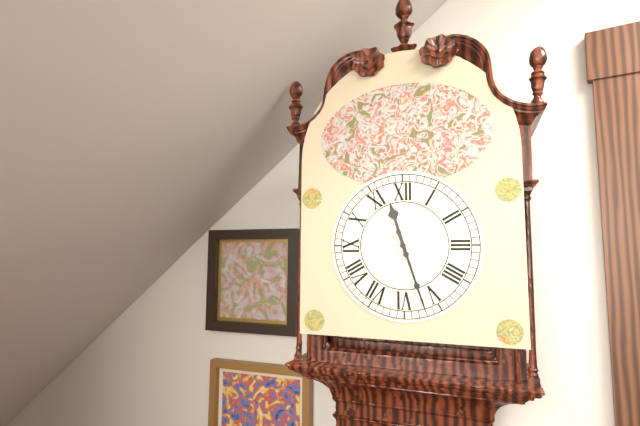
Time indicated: {"hour": 11, "minute": 27}
